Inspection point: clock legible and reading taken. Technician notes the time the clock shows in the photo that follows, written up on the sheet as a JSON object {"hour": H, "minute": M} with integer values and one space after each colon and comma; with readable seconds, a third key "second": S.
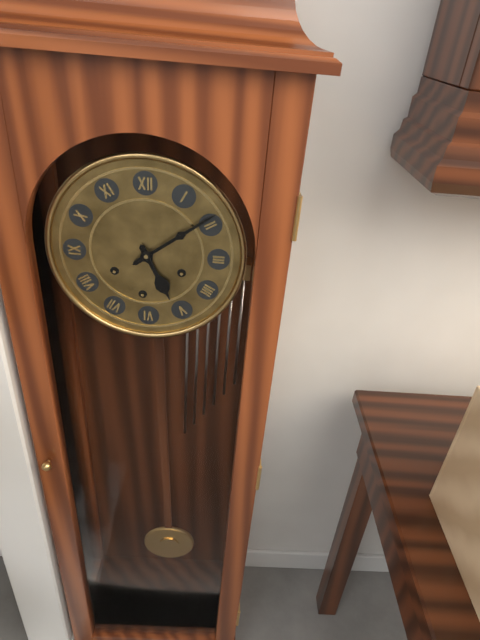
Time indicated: {"hour": 5, "minute": 9}
